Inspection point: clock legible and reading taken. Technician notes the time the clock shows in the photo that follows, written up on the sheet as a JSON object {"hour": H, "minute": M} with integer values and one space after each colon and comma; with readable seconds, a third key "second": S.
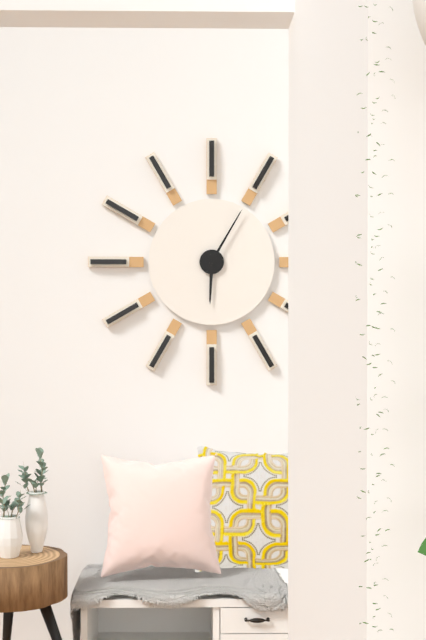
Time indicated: {"hour": 6, "minute": 5}
